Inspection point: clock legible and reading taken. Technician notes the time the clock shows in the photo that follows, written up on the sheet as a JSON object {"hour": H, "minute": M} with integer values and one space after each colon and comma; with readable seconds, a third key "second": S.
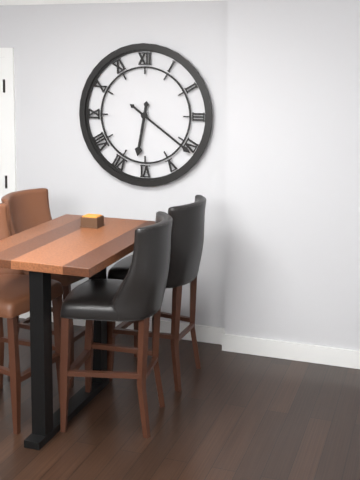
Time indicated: {"hour": 6, "minute": 21}
